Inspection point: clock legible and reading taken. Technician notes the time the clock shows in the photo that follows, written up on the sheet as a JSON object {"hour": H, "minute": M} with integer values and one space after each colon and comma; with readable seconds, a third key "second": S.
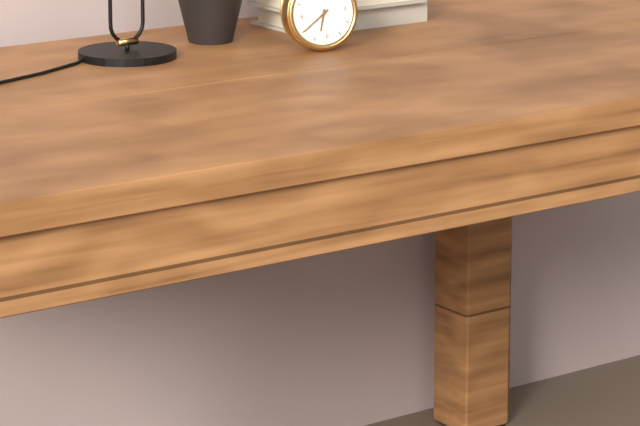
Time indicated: {"hour": 6, "minute": 40}
